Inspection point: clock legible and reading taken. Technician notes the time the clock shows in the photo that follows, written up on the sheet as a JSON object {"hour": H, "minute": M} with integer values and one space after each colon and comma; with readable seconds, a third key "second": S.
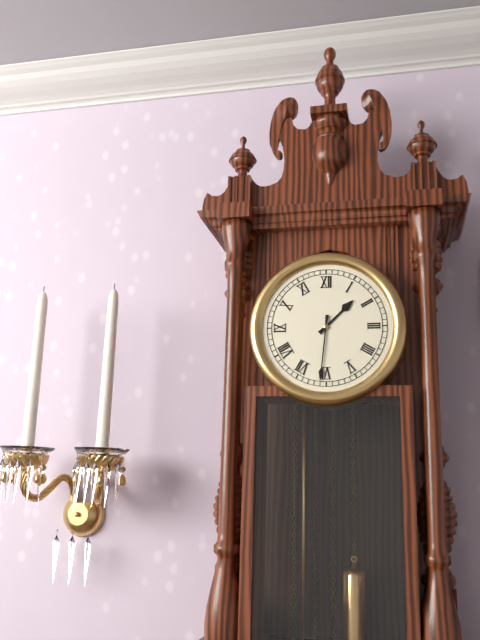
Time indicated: {"hour": 1, "minute": 31}
